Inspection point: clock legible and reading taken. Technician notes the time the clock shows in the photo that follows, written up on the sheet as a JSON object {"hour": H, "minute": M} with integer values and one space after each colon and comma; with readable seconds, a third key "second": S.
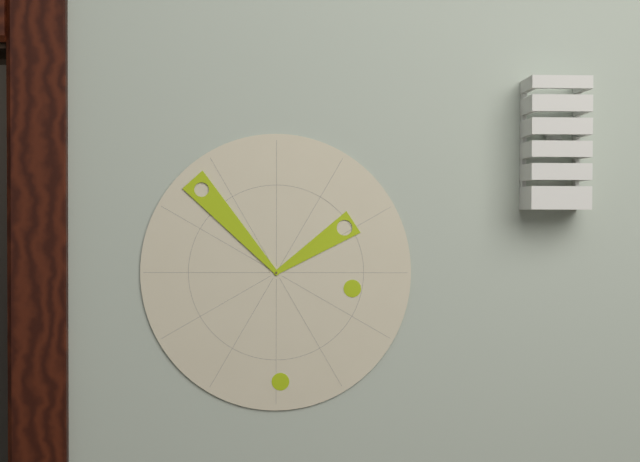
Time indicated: {"hour": 1, "minute": 53}
